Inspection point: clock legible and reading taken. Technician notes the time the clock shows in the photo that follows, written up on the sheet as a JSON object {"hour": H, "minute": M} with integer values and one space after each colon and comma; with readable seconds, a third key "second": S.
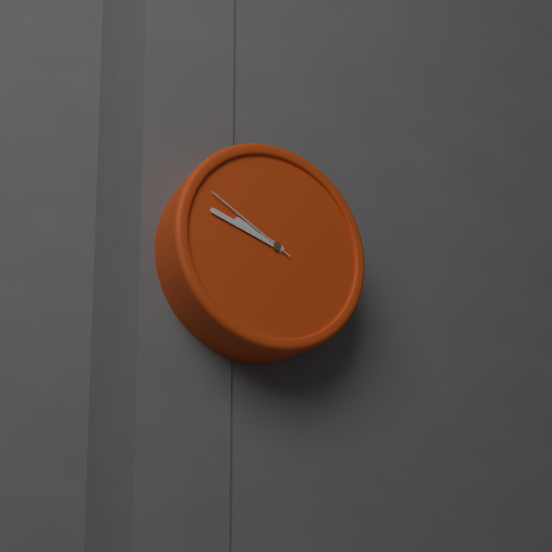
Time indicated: {"hour": 9, "minute": 48, "second": 50}
